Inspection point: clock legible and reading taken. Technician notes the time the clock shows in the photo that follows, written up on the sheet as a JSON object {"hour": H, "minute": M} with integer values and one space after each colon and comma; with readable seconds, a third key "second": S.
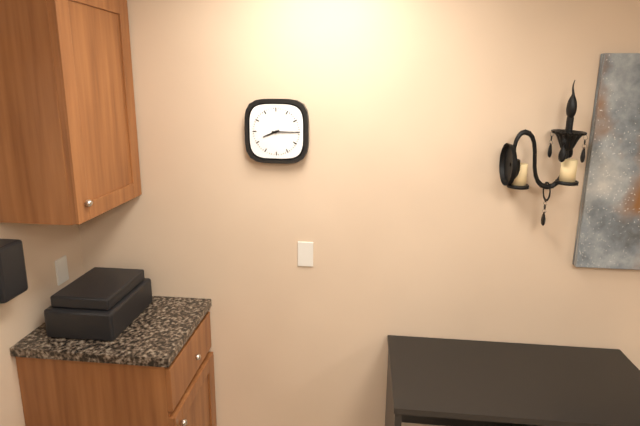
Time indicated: {"hour": 8, "minute": 15}
